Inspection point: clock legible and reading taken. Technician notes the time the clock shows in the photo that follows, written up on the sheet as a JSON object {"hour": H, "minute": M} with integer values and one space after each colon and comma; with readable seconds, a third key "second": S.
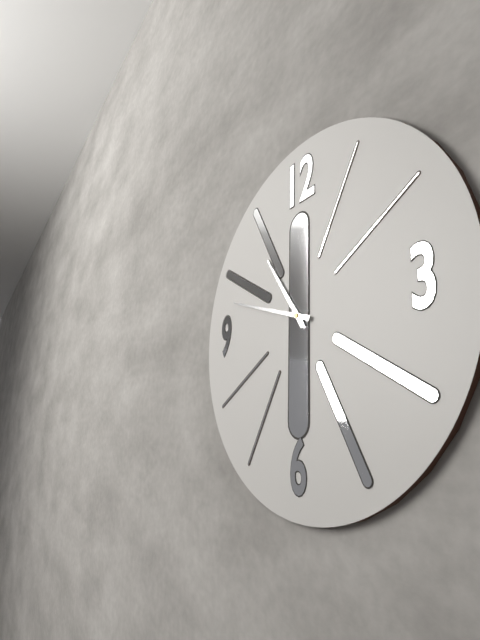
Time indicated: {"hour": 10, "minute": 48}
